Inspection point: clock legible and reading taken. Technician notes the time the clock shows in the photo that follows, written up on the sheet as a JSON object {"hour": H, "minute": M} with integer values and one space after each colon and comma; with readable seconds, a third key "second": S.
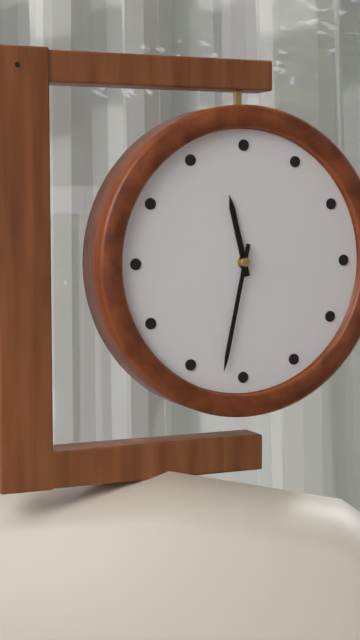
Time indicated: {"hour": 11, "minute": 32}
